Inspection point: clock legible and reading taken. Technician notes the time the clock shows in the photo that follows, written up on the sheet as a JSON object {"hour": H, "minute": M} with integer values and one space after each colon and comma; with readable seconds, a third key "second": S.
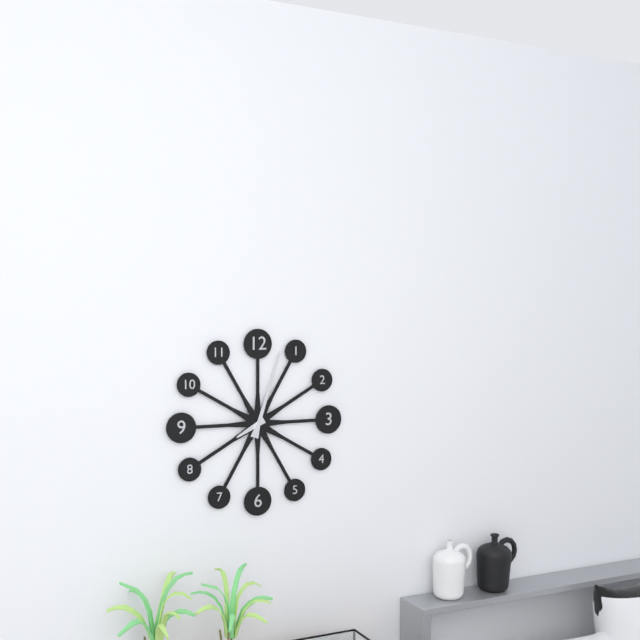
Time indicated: {"hour": 8, "minute": 3}
